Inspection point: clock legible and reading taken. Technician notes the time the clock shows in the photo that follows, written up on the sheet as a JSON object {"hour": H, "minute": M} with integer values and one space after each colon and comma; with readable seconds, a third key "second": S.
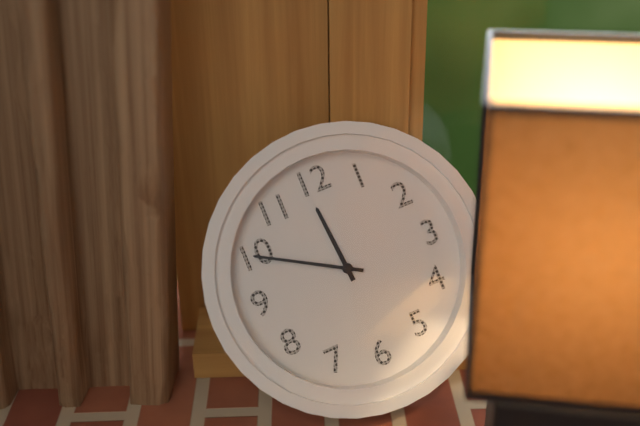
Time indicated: {"hour": 11, "minute": 50}
